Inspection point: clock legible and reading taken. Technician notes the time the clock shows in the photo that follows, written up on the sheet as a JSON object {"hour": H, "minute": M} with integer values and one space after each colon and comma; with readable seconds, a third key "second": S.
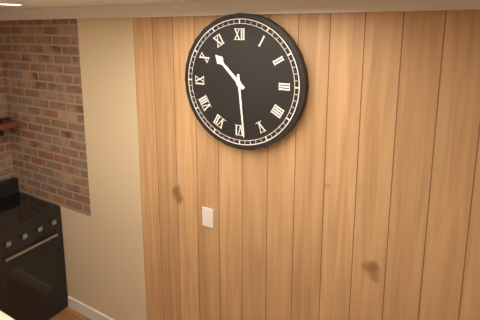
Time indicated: {"hour": 10, "minute": 29}
